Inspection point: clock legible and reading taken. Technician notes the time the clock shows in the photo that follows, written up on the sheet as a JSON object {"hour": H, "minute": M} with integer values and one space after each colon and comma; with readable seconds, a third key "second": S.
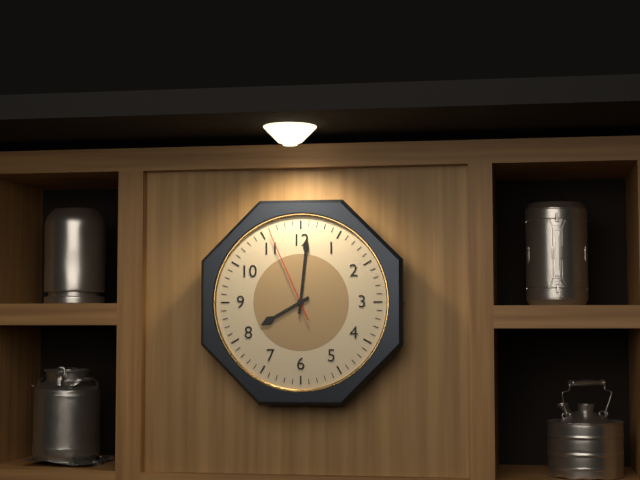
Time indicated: {"hour": 8, "minute": 1, "second": 56}
